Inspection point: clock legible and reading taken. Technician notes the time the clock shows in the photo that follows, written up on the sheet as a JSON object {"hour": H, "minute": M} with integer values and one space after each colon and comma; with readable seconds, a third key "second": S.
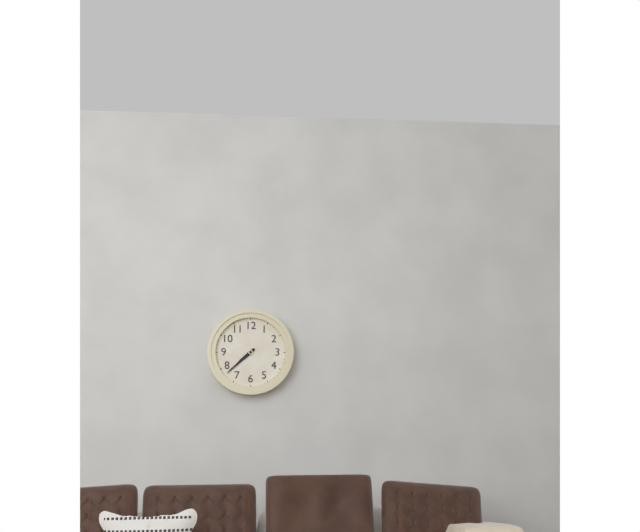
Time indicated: {"hour": 7, "minute": 38}
